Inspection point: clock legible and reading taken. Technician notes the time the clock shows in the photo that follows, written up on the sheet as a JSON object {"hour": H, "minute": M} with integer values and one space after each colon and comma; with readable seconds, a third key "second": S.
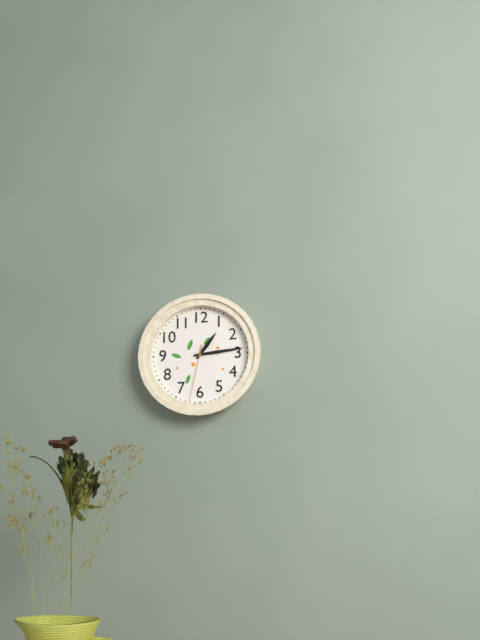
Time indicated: {"hour": 1, "minute": 14, "second": 32}
